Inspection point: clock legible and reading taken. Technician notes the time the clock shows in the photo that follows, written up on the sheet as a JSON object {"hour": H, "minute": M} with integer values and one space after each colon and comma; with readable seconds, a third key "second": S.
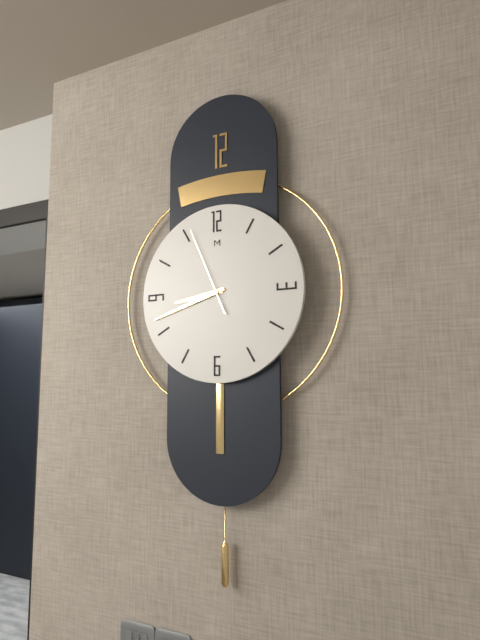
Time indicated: {"hour": 8, "minute": 42, "second": 56}
